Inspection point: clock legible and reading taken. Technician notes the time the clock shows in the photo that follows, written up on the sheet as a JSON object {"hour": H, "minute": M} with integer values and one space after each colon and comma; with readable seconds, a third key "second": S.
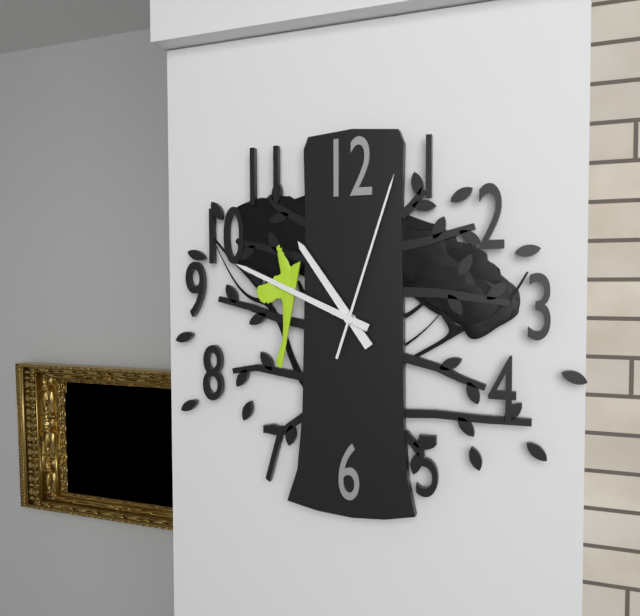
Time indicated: {"hour": 10, "minute": 49, "second": 3}
